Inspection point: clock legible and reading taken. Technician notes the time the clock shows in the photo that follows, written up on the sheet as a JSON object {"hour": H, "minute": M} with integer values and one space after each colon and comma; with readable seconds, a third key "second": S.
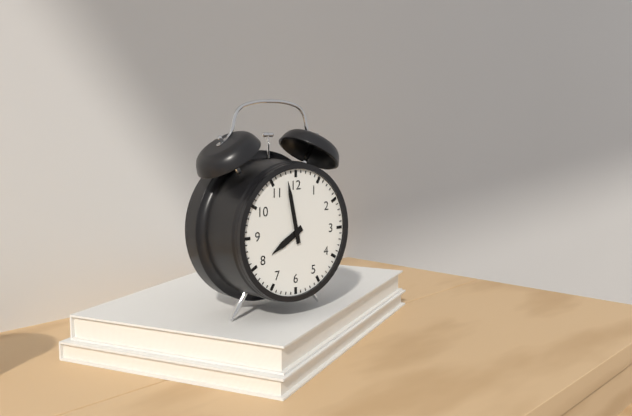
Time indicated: {"hour": 7, "minute": 58}
